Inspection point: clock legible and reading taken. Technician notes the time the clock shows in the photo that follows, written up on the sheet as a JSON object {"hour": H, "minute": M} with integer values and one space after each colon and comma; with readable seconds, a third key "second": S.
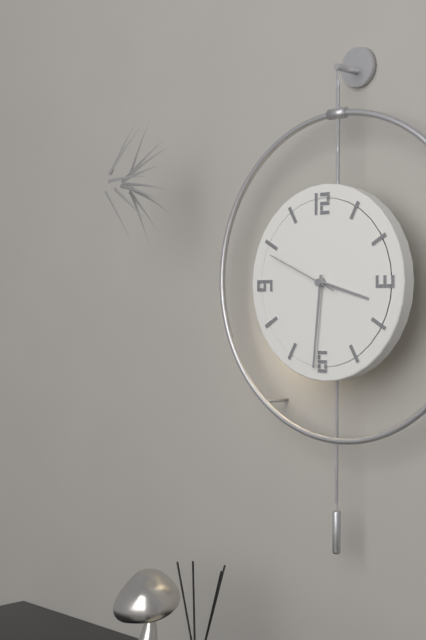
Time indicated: {"hour": 3, "minute": 31, "second": 49}
